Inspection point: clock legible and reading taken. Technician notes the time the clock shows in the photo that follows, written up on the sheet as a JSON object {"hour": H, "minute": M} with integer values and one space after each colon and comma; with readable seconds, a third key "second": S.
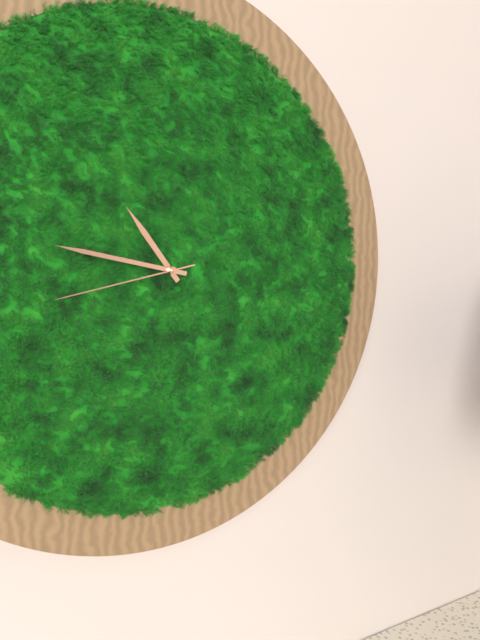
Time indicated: {"hour": 10, "minute": 47, "second": 43}
